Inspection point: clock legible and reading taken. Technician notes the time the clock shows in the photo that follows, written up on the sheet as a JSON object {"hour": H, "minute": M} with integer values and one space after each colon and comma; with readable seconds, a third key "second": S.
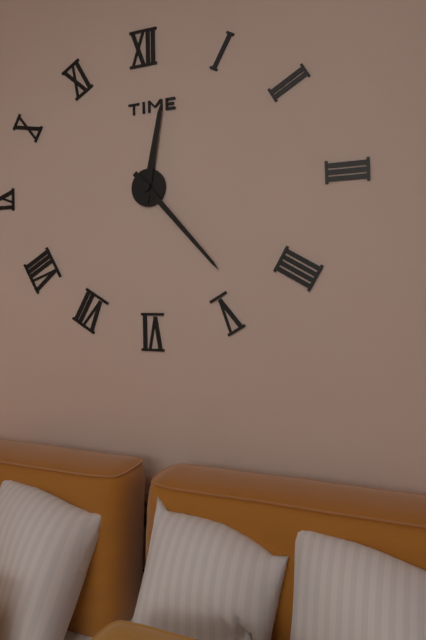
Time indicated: {"hour": 12, "minute": 23}
